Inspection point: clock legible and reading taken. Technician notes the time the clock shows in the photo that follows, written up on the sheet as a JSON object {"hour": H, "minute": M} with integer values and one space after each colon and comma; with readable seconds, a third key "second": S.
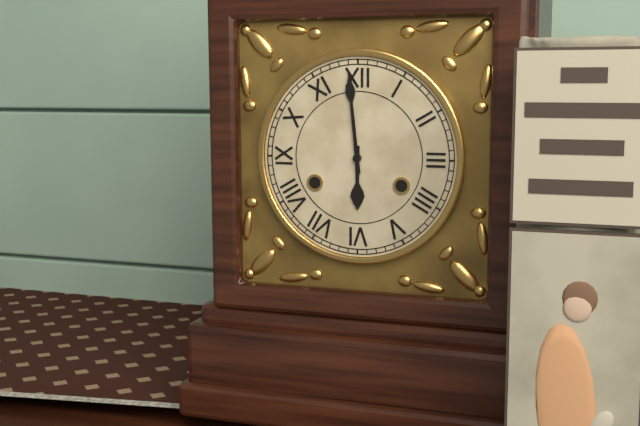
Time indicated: {"hour": 5, "minute": 59}
